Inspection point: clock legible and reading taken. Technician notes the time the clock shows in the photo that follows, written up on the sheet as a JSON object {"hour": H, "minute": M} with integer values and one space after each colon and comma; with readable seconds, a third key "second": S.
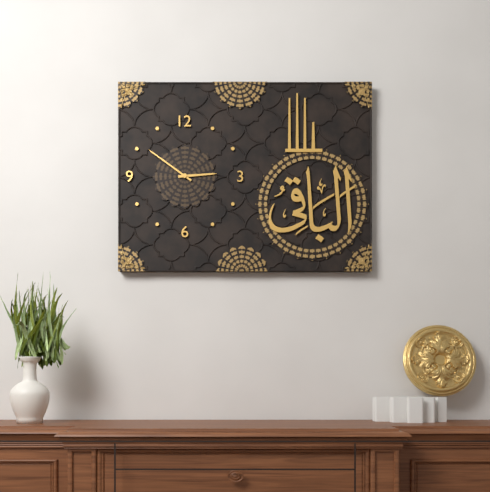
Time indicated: {"hour": 2, "minute": 51}
